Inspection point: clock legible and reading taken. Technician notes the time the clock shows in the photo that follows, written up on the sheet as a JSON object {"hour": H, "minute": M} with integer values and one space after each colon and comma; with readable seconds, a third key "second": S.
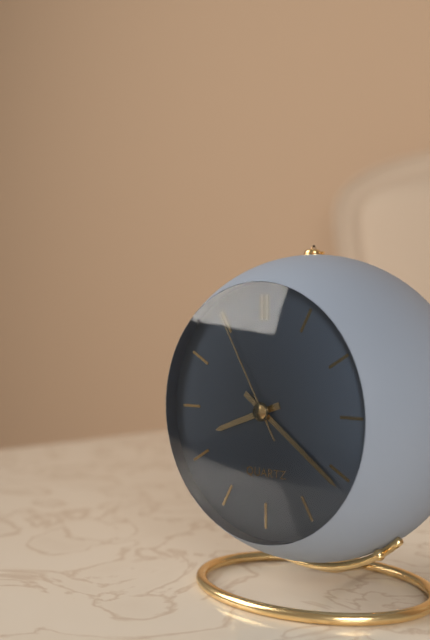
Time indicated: {"hour": 8, "minute": 21, "second": 55}
